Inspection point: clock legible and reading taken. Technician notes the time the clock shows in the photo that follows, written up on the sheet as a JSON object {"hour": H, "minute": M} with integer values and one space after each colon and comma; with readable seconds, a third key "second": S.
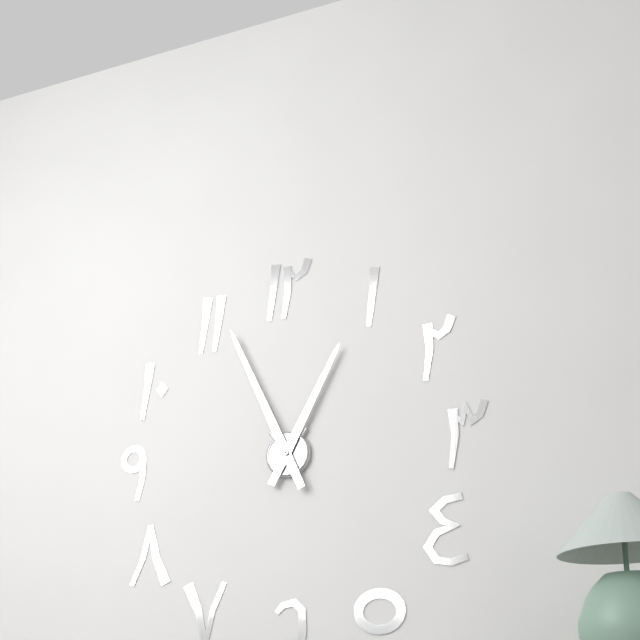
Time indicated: {"hour": 12, "minute": 56}
